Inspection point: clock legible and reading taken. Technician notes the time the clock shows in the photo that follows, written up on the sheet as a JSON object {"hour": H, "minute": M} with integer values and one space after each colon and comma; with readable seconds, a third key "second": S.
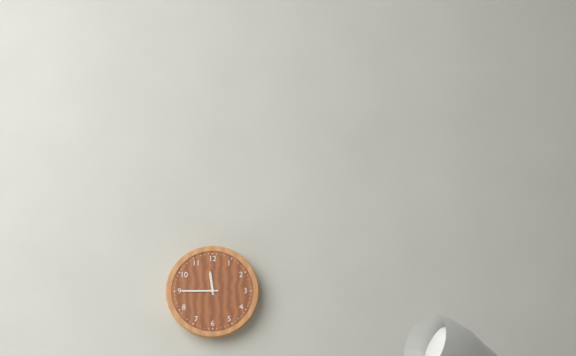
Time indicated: {"hour": 11, "minute": 45}
